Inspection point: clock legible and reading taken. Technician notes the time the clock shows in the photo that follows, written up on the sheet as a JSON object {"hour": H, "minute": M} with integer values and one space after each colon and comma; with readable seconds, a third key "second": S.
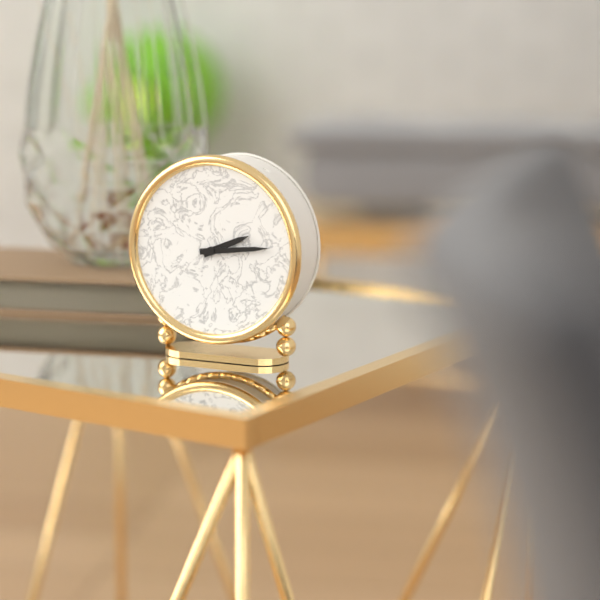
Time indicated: {"hour": 2, "minute": 14}
